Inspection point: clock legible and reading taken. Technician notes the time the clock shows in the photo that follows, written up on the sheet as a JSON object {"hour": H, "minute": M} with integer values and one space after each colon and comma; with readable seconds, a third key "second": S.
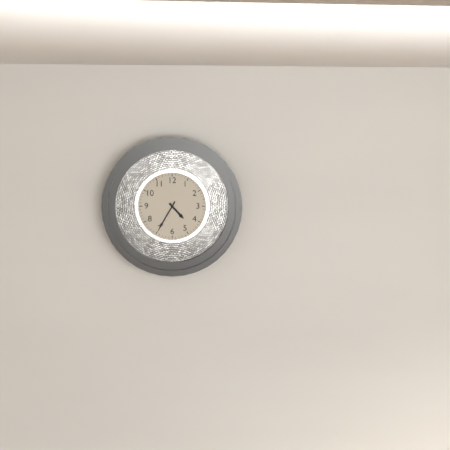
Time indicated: {"hour": 4, "minute": 35}
